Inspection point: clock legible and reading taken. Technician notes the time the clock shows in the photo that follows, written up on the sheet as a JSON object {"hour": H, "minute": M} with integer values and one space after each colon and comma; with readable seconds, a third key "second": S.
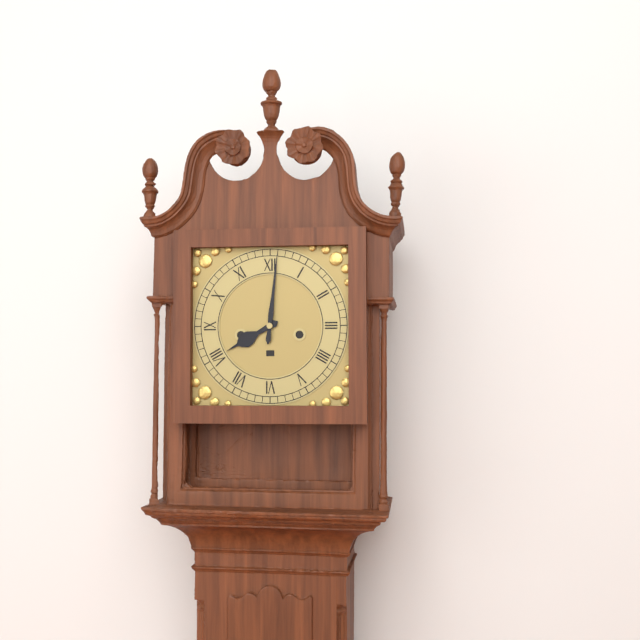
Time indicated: {"hour": 8, "minute": 1}
